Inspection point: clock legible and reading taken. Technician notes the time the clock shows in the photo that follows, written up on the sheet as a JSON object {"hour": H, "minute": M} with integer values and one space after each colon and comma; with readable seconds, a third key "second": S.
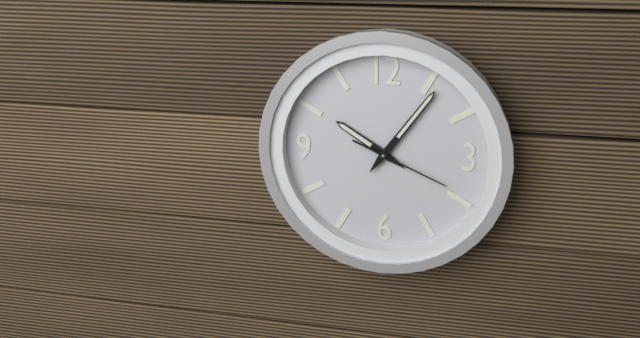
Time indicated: {"hour": 10, "minute": 6, "second": 19}
